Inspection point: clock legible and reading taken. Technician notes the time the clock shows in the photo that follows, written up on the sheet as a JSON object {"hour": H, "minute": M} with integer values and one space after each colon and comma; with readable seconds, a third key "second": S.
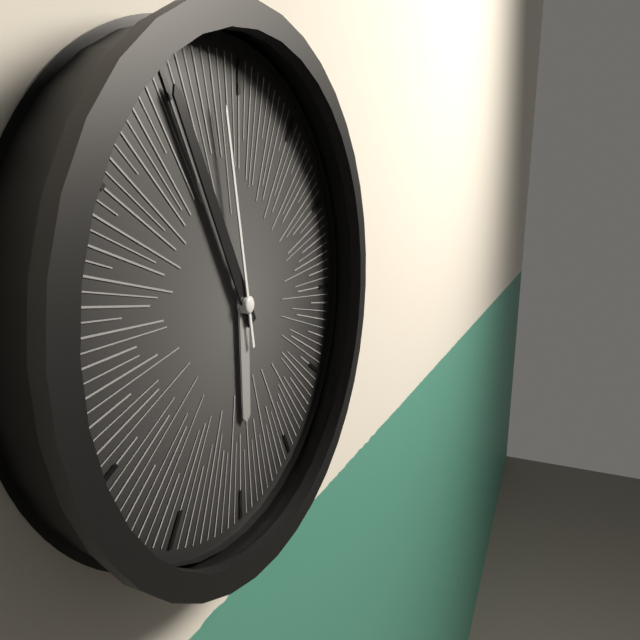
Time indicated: {"hour": 5, "minute": 55, "second": 58}
